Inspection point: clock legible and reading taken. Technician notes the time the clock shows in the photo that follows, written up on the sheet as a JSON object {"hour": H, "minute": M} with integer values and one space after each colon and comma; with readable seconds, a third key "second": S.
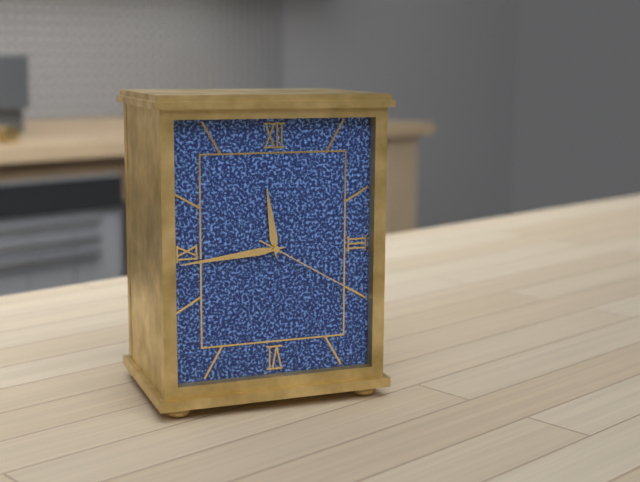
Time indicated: {"hour": 11, "minute": 44, "second": 20}
